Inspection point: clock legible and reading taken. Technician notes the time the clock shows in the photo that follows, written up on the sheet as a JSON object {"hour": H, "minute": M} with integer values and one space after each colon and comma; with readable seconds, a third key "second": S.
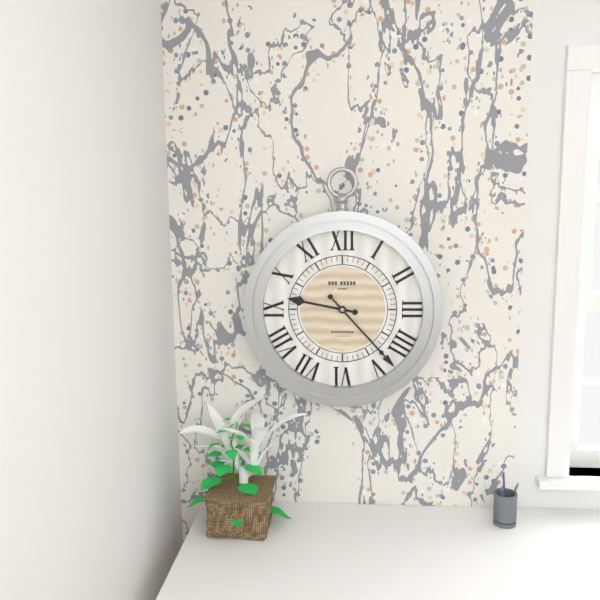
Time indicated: {"hour": 9, "minute": 23}
